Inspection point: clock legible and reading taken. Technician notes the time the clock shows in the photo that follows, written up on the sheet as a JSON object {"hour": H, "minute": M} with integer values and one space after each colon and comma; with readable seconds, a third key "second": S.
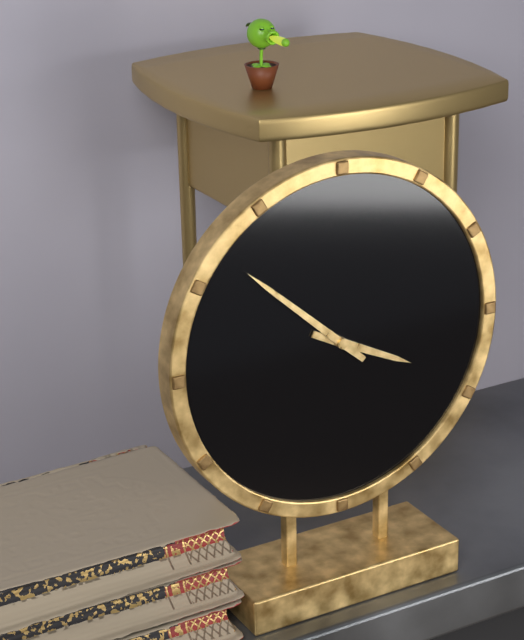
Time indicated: {"hour": 3, "minute": 52}
